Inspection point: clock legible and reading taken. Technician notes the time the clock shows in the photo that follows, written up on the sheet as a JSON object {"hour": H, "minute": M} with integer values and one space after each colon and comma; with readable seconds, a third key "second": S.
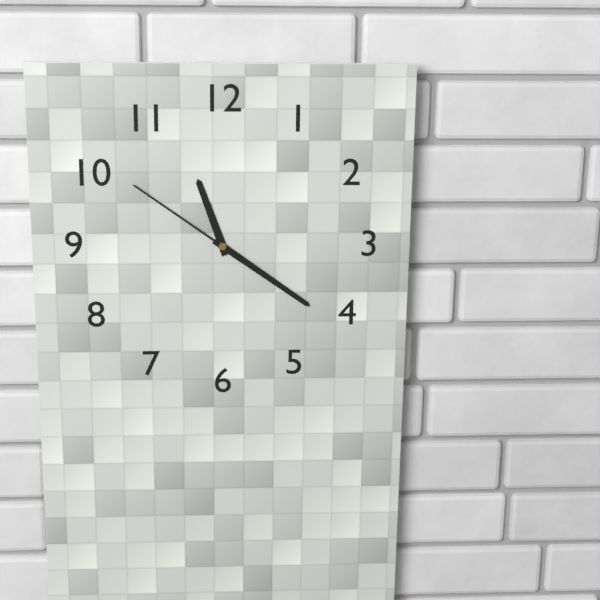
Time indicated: {"hour": 11, "minute": 21, "second": 51}
